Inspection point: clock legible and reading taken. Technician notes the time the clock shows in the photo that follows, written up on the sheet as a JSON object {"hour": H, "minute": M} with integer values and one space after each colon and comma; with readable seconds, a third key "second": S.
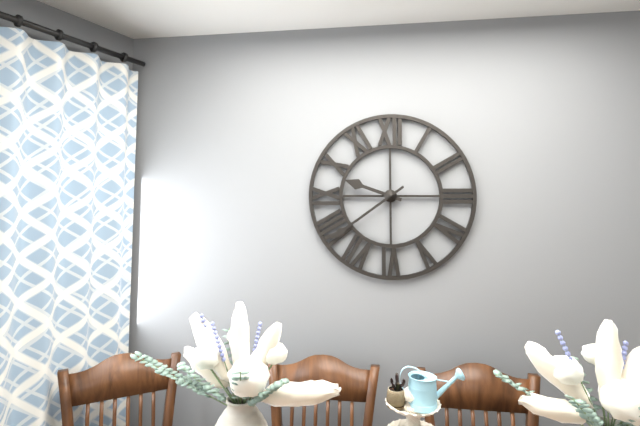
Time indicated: {"hour": 9, "minute": 39}
